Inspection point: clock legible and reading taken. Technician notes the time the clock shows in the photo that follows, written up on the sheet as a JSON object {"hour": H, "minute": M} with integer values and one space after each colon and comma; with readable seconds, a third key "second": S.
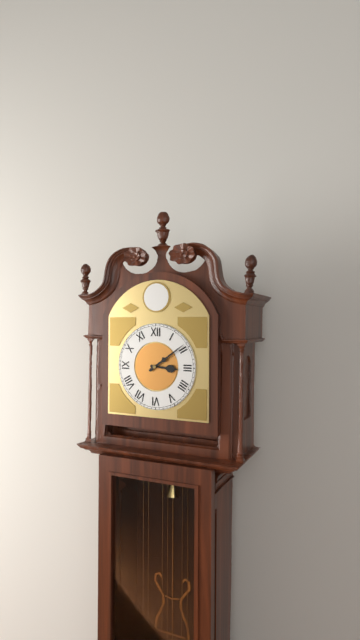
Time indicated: {"hour": 3, "minute": 9}
